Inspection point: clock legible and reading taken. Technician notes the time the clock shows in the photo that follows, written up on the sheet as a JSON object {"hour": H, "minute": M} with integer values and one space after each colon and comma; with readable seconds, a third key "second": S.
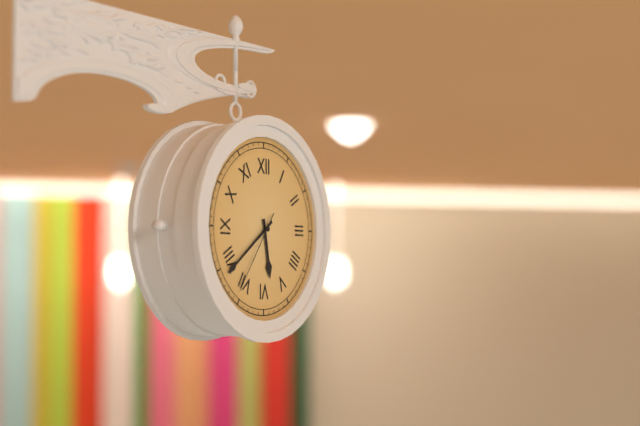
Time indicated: {"hour": 5, "minute": 39, "second": 36}
